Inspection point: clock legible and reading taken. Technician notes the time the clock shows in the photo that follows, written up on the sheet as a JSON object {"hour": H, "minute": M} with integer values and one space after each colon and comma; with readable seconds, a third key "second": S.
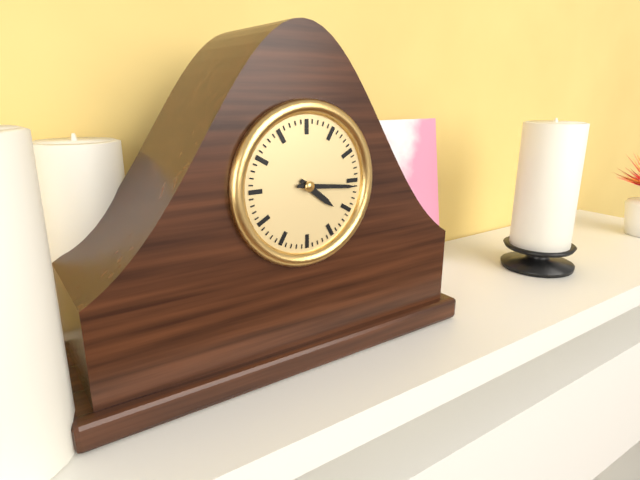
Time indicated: {"hour": 4, "minute": 16}
